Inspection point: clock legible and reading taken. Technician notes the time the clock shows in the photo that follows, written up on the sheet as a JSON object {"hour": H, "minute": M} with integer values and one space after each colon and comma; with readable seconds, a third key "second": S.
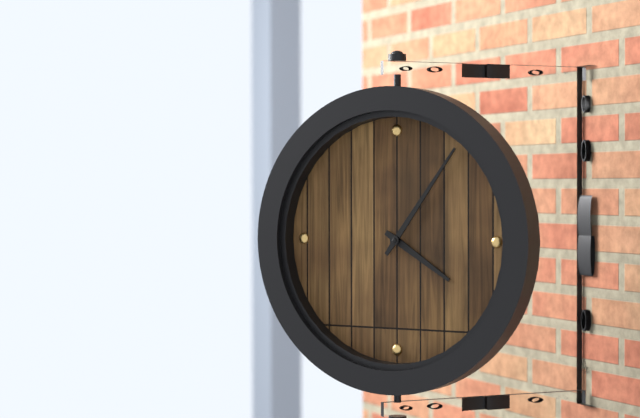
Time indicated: {"hour": 4, "minute": 6}
